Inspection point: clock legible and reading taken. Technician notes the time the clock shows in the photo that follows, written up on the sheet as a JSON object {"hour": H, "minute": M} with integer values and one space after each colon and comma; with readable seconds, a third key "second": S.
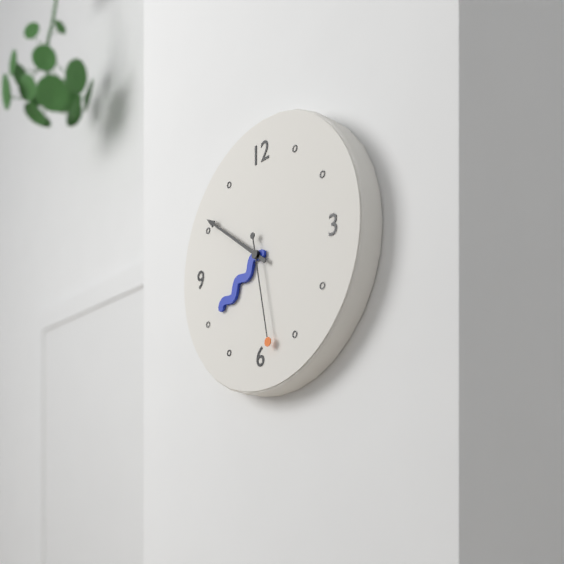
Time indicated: {"hour": 7, "minute": 51, "second": 28}
